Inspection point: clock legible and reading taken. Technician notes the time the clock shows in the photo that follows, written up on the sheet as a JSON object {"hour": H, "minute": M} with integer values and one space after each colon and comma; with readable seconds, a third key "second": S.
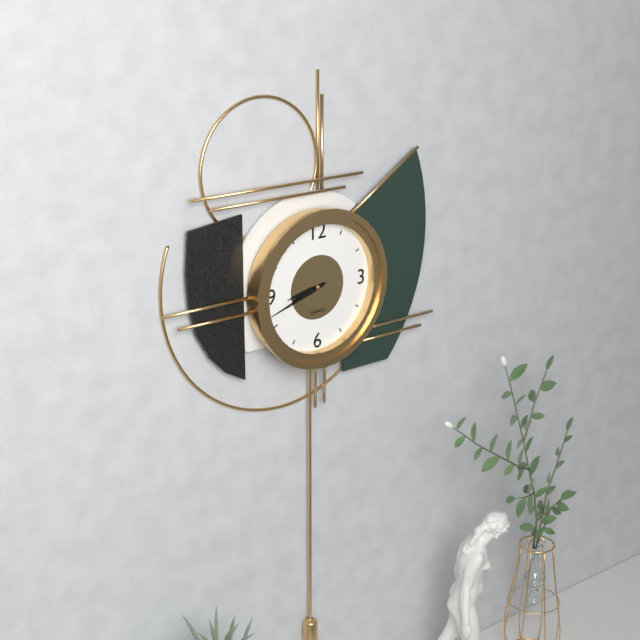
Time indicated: {"hour": 8, "minute": 42}
